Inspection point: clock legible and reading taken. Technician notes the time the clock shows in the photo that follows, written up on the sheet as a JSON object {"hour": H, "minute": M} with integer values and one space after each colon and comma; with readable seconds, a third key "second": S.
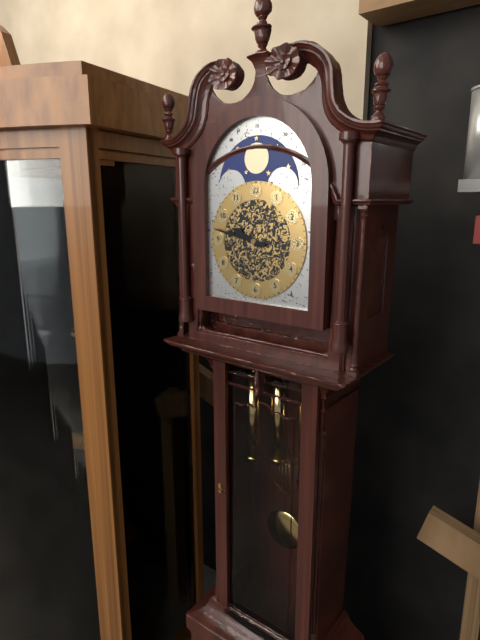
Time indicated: {"hour": 9, "minute": 47}
